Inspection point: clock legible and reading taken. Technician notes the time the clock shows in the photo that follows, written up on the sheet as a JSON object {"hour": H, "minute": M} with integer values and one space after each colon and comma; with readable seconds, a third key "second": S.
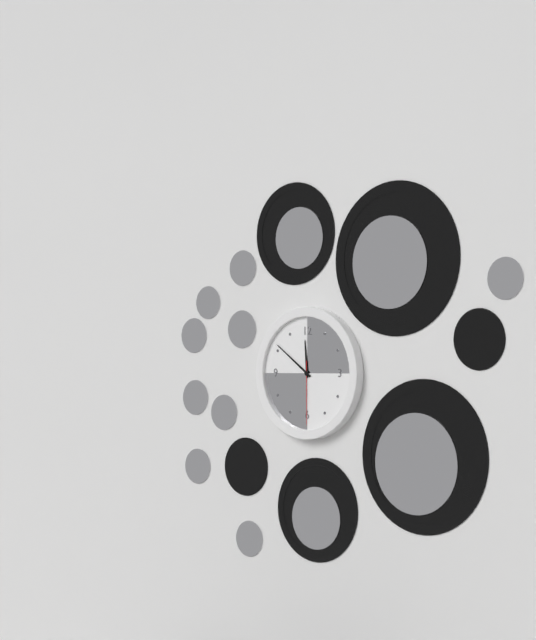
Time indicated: {"hour": 11, "minute": 51, "second": 30}
